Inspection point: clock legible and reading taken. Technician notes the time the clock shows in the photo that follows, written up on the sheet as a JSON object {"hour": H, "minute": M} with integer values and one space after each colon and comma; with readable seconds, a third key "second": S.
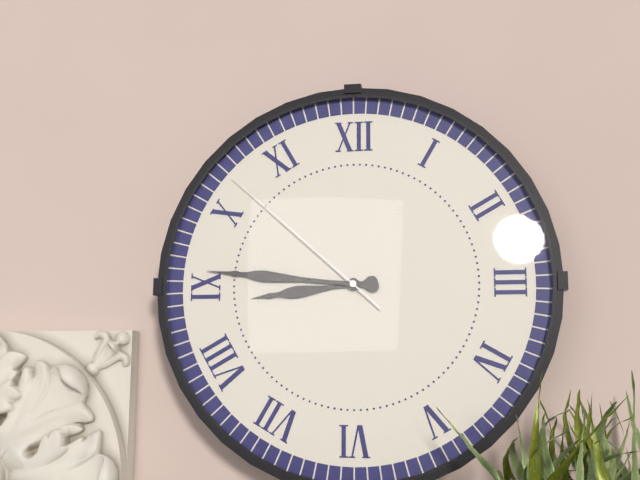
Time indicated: {"hour": 8, "minute": 46, "second": 52}
